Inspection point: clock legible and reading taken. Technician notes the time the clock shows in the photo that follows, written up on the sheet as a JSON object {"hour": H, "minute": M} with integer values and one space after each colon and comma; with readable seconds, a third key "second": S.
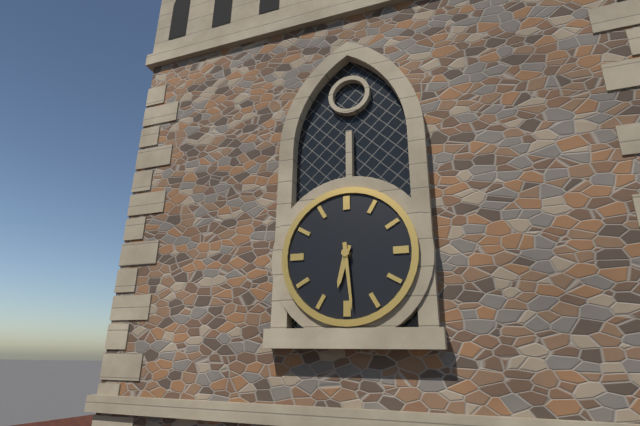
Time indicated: {"hour": 6, "minute": 29}
